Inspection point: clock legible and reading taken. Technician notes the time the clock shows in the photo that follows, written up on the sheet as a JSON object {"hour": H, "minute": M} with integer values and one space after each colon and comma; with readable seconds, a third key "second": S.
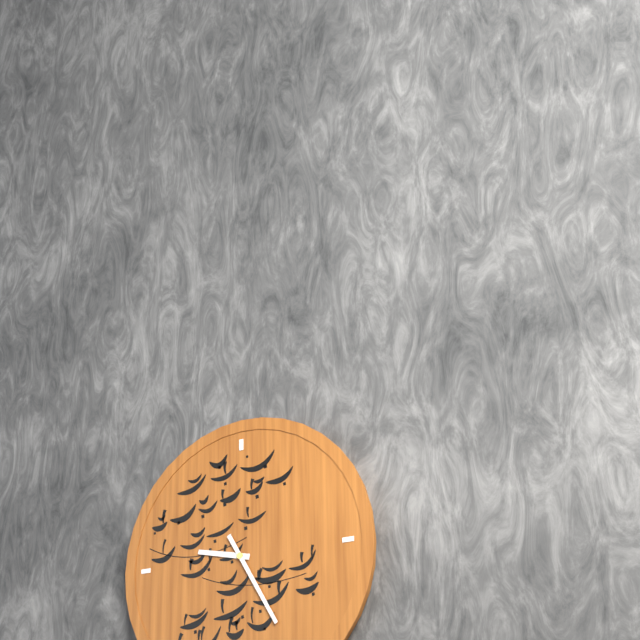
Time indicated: {"hour": 9, "minute": 25}
